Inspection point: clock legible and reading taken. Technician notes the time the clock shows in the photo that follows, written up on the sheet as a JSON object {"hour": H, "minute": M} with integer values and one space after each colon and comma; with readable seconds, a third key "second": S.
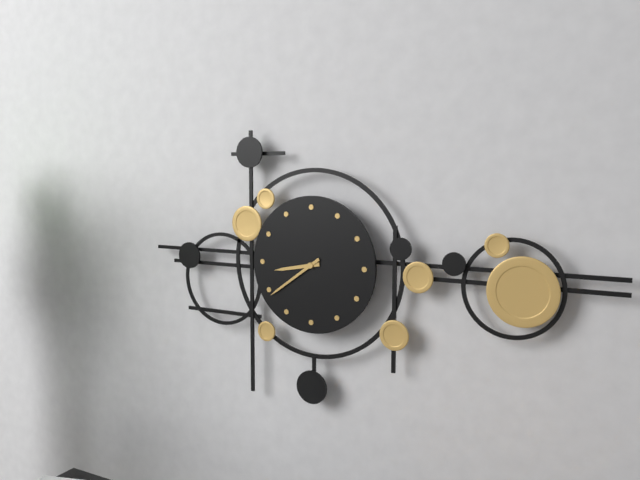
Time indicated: {"hour": 8, "minute": 39}
